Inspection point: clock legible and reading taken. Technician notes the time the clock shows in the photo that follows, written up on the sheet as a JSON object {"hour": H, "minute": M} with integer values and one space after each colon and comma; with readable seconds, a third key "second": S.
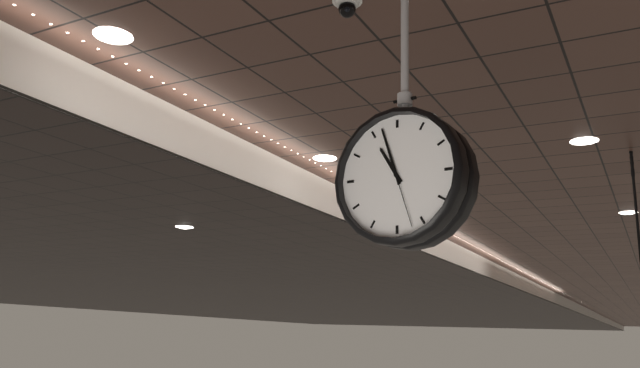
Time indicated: {"hour": 10, "minute": 57, "second": 27}
